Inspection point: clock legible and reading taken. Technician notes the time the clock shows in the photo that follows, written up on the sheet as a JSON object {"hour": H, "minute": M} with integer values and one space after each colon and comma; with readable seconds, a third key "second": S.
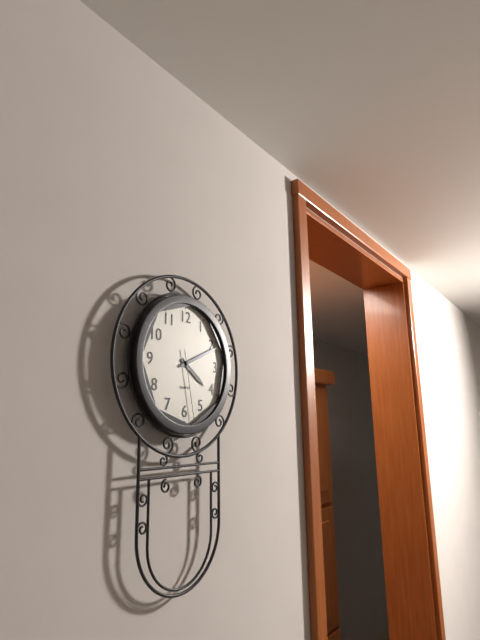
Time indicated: {"hour": 4, "minute": 11, "second": 28}
